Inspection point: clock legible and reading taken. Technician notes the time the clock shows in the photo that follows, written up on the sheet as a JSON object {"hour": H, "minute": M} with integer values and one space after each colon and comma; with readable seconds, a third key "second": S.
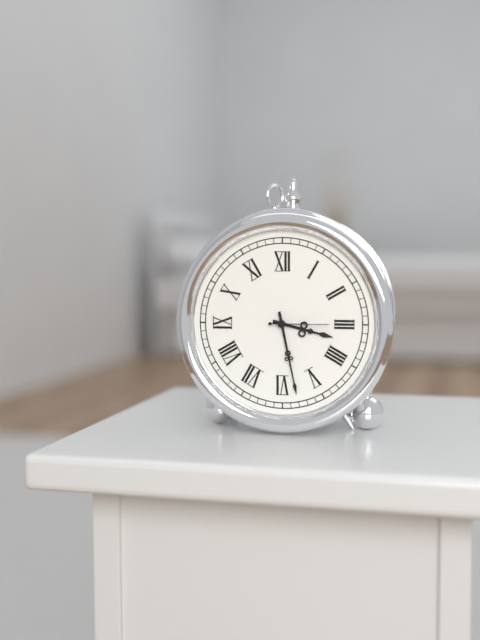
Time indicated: {"hour": 3, "minute": 28, "second": 15}
